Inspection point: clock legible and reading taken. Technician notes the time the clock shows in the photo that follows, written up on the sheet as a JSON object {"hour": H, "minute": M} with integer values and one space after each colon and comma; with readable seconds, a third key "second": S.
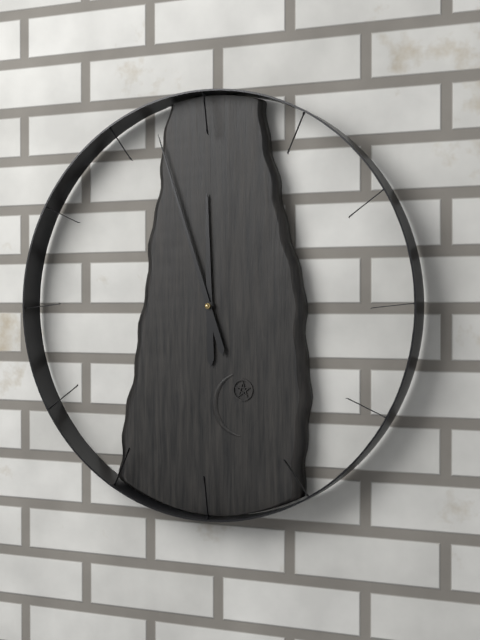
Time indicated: {"hour": 11, "minute": 57}
